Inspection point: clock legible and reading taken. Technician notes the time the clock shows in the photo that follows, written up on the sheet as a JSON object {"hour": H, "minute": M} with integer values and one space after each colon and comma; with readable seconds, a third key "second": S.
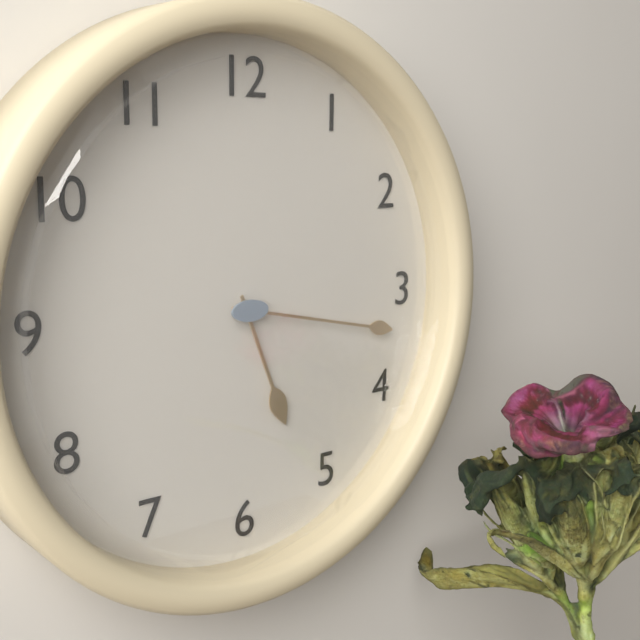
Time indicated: {"hour": 5, "minute": 17}
